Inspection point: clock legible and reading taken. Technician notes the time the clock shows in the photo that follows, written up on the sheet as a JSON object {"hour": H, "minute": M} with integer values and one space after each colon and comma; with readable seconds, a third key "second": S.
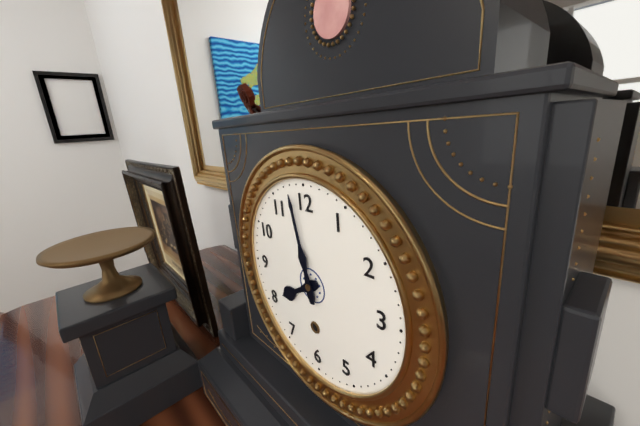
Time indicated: {"hour": 7, "minute": 58}
